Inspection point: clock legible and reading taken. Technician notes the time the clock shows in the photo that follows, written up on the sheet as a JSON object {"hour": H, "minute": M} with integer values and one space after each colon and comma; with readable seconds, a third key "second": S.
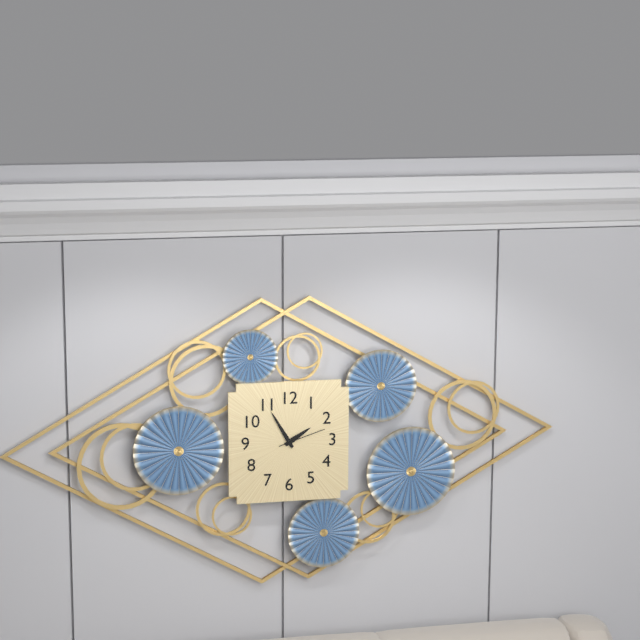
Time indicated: {"hour": 1, "minute": 55}
